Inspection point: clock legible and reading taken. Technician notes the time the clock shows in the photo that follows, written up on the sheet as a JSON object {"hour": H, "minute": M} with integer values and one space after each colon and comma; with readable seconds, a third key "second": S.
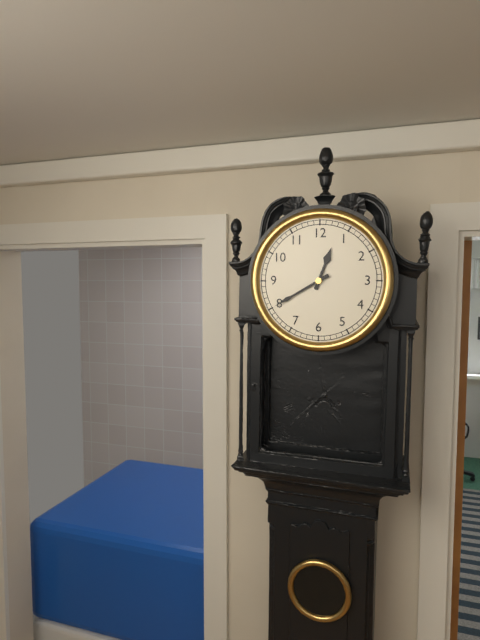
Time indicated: {"hour": 12, "minute": 40}
